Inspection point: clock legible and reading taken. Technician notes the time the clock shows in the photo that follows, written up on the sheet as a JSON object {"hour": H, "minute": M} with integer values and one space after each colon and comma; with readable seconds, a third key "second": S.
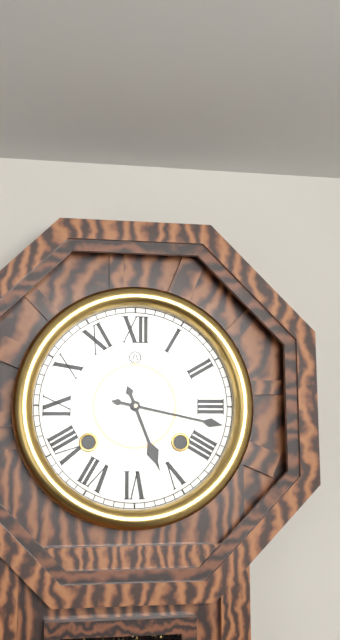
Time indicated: {"hour": 5, "minute": 17}
